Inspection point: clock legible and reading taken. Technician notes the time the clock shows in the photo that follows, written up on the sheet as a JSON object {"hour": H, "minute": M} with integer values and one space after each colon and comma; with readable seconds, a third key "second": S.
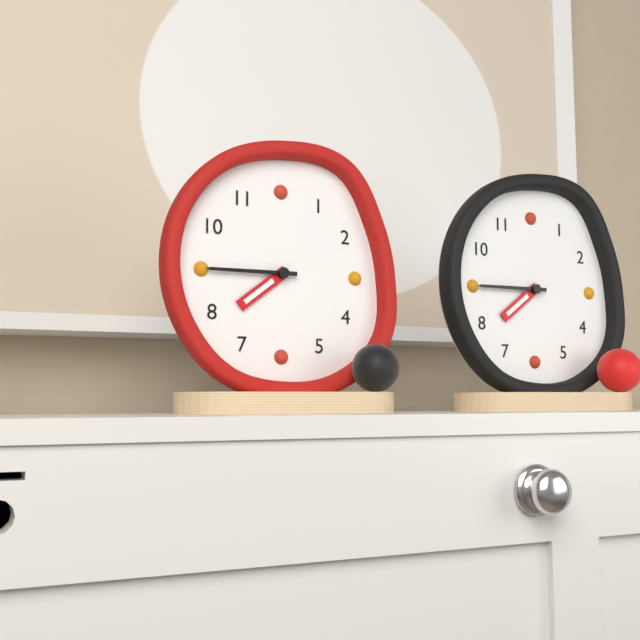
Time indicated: {"hour": 7, "minute": 45}
